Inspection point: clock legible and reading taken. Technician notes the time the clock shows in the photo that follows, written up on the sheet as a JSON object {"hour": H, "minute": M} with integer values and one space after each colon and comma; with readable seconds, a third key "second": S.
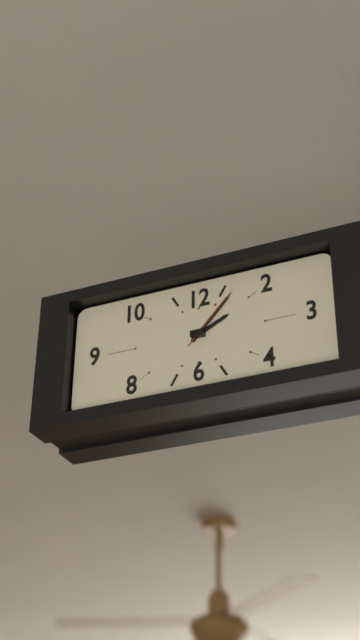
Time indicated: {"hour": 2, "minute": 7, "second": 7}
